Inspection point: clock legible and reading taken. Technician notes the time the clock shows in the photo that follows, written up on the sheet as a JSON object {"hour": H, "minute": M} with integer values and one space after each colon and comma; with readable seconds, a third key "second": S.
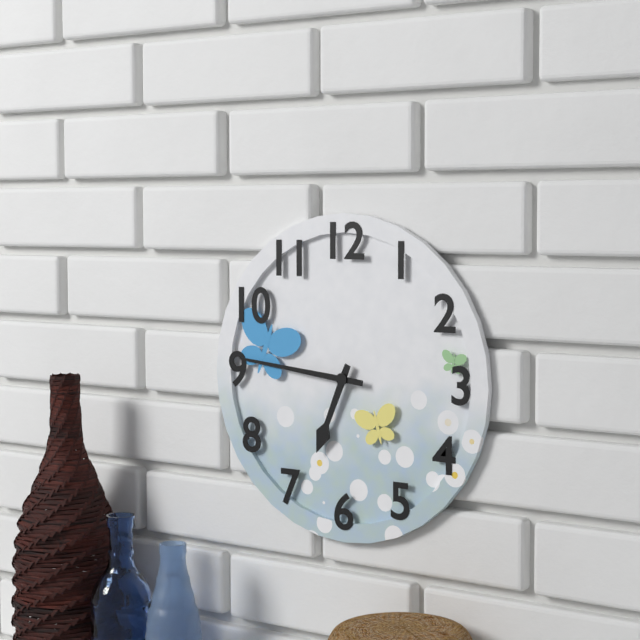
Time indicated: {"hour": 6, "minute": 46}
